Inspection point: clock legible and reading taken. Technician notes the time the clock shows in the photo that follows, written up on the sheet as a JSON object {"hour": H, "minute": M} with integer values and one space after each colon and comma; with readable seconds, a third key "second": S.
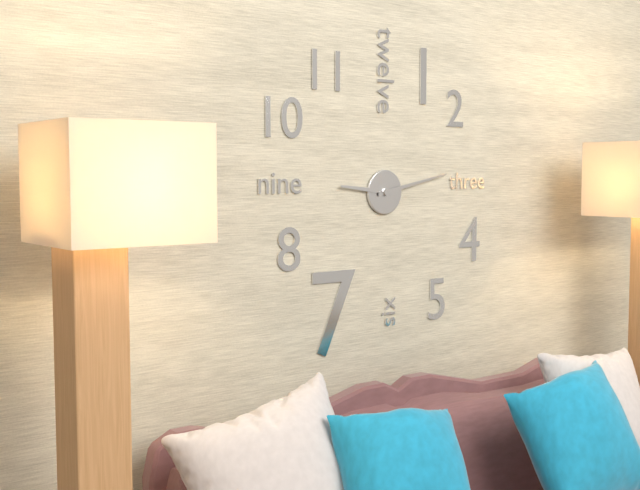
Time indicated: {"hour": 9, "minute": 13}
